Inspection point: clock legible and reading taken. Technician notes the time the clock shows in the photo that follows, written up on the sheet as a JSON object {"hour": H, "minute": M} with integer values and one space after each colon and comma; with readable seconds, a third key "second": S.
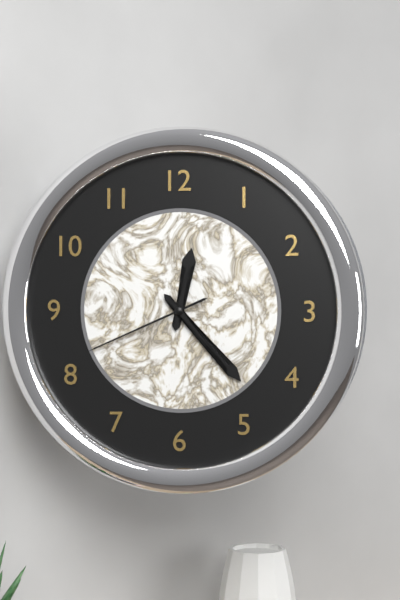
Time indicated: {"hour": 12, "minute": 23, "second": 41}
